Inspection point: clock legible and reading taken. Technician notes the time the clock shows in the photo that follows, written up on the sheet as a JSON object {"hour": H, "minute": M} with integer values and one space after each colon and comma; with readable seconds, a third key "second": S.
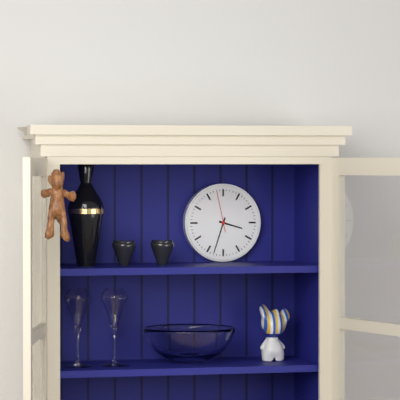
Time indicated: {"hour": 3, "minute": 33}
